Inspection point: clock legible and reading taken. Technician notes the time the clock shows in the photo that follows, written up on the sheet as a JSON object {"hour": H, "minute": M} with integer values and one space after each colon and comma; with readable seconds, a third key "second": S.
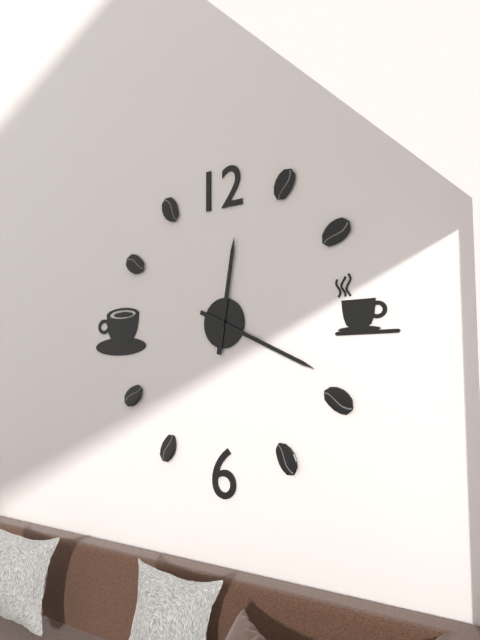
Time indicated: {"hour": 12, "minute": 19}
